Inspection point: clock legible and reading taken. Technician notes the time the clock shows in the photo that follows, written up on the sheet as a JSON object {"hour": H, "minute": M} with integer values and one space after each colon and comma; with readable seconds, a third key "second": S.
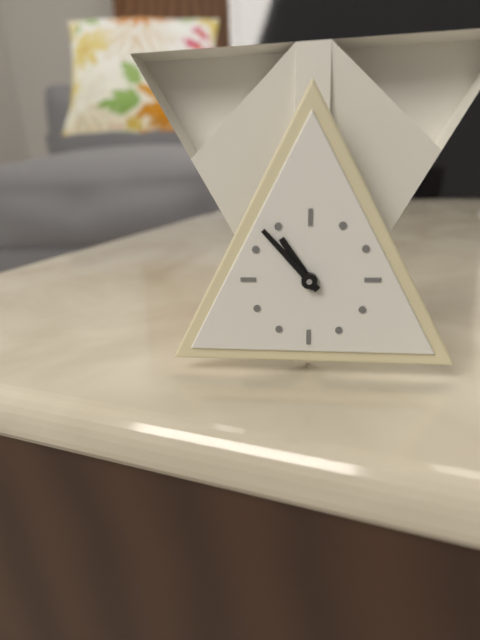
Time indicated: {"hour": 10, "minute": 53}
